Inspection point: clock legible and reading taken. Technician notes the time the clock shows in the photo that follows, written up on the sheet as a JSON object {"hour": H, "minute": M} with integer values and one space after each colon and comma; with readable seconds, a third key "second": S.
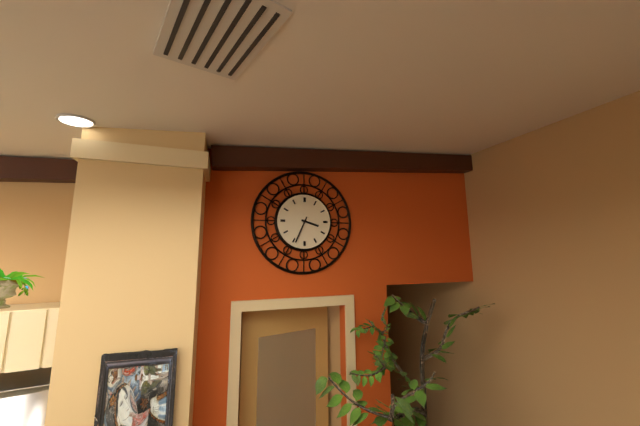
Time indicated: {"hour": 3, "minute": 34}
